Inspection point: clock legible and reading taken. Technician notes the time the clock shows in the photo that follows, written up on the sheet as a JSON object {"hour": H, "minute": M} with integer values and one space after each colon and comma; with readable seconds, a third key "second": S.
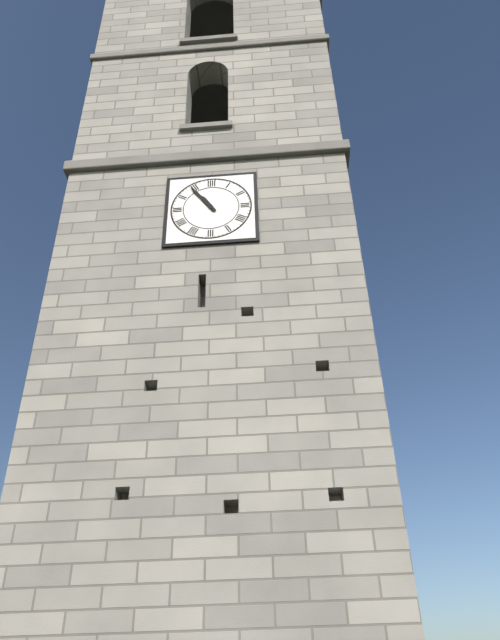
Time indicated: {"hour": 10, "minute": 54}
